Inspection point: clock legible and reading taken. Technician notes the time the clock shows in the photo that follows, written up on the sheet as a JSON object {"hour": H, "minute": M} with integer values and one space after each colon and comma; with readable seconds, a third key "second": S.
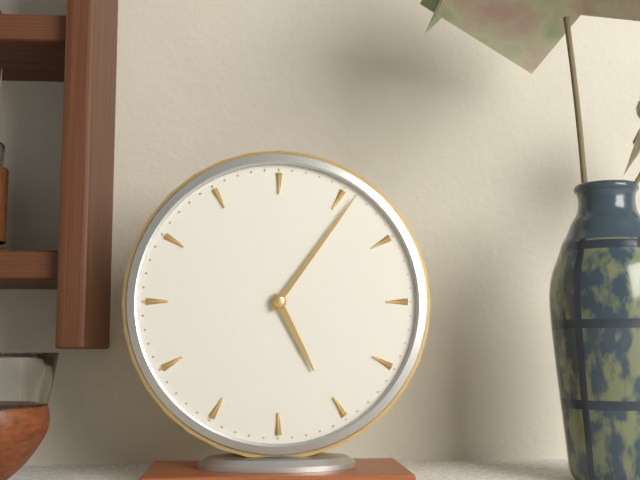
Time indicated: {"hour": 5, "minute": 6}
